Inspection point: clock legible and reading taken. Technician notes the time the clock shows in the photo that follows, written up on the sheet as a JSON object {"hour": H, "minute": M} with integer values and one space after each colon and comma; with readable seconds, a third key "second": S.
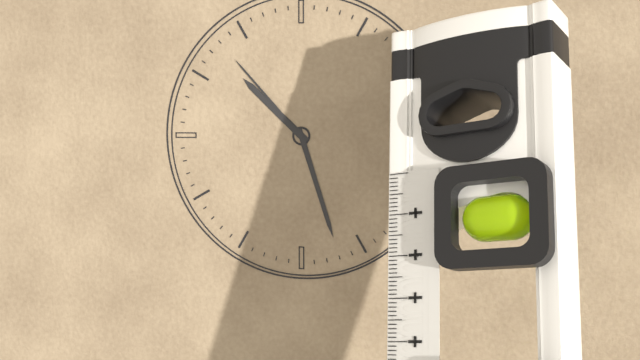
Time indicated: {"hour": 10, "minute": 27, "second": 53}
